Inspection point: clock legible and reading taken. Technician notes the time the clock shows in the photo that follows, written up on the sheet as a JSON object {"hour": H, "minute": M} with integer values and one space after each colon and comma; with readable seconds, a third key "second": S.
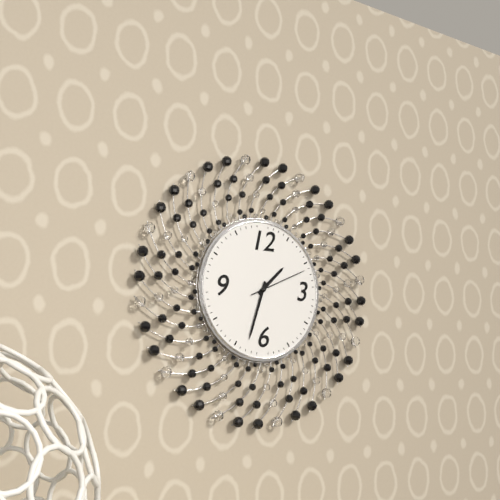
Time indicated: {"hour": 1, "minute": 33, "second": 11}
